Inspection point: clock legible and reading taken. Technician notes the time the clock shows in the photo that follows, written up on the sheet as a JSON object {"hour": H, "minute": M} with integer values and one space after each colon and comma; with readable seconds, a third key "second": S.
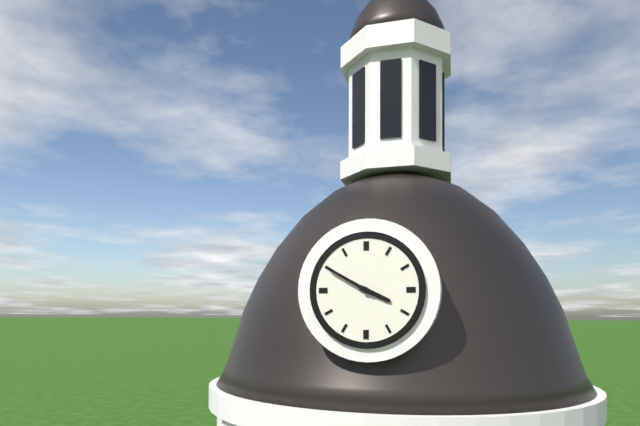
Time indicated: {"hour": 3, "minute": 50}
